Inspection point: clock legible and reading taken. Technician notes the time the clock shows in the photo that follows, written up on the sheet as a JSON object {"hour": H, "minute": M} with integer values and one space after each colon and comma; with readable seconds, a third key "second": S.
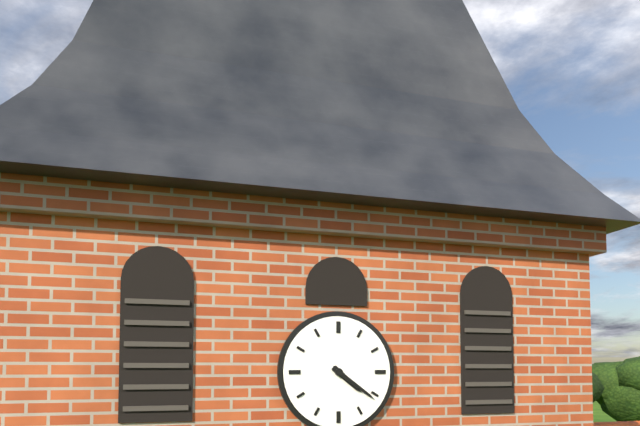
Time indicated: {"hour": 4, "minute": 21}
